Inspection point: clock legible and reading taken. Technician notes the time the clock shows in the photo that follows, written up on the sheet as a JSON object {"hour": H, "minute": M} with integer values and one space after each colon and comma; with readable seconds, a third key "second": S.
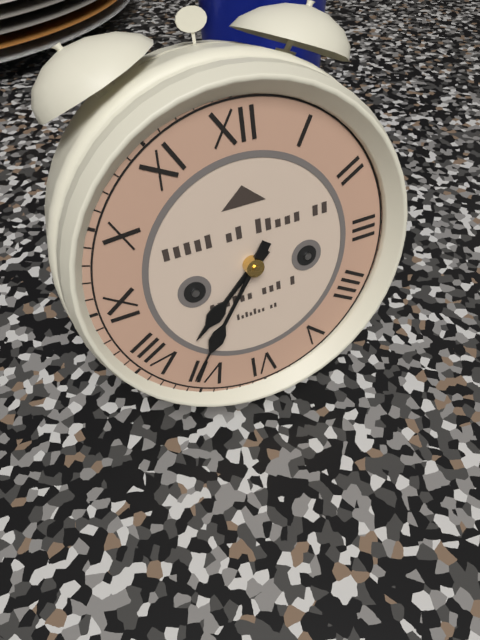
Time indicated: {"hour": 7, "minute": 36}
